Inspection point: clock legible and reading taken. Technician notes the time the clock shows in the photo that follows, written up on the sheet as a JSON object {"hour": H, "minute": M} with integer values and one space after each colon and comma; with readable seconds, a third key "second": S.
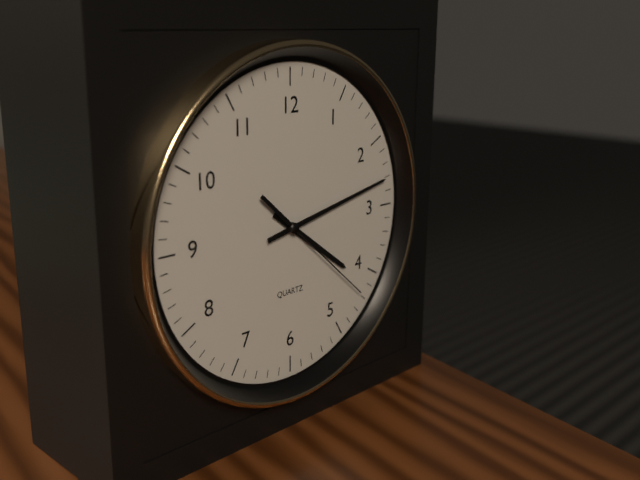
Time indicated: {"hour": 4, "minute": 13, "second": 22}
